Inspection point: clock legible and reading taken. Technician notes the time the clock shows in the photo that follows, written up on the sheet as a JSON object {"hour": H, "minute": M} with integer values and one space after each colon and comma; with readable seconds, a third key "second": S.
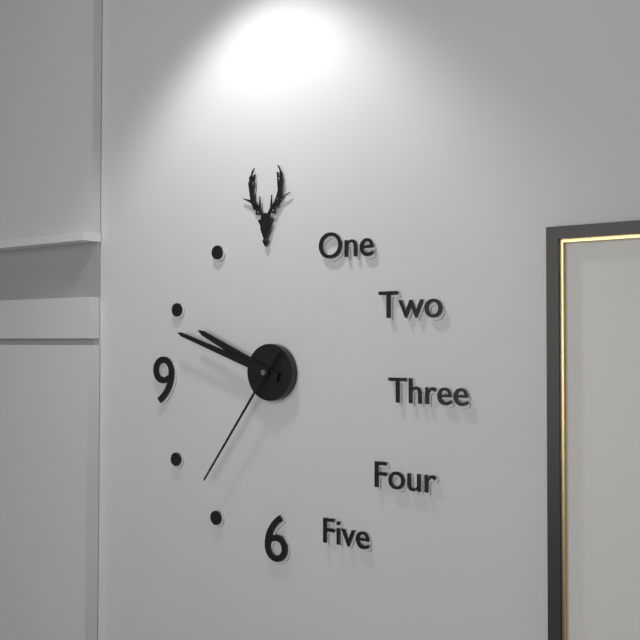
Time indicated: {"hour": 9, "minute": 48, "second": 36}
